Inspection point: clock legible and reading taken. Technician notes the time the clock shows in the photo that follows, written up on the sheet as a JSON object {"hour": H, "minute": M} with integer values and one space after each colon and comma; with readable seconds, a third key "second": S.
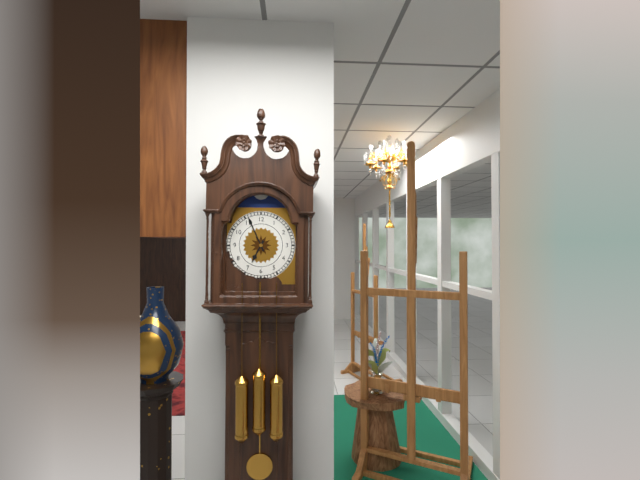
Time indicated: {"hour": 6, "minute": 56}
